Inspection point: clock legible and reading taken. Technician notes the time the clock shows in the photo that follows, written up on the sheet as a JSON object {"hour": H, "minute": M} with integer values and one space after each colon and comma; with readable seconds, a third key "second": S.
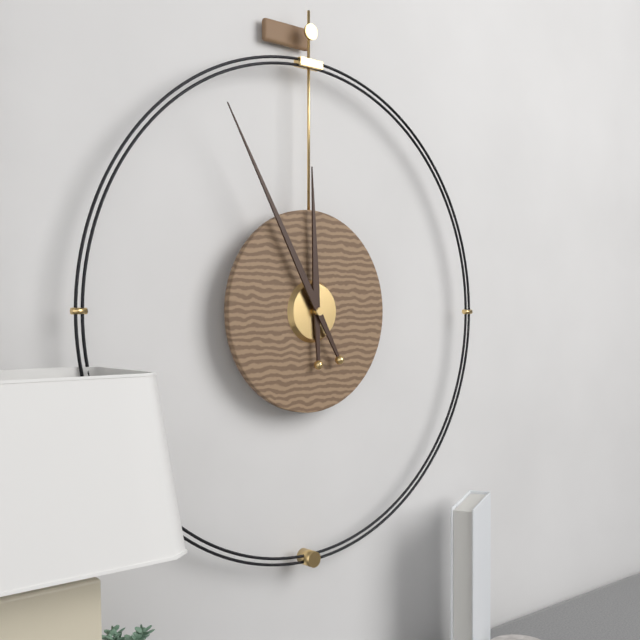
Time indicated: {"hour": 11, "minute": 55}
